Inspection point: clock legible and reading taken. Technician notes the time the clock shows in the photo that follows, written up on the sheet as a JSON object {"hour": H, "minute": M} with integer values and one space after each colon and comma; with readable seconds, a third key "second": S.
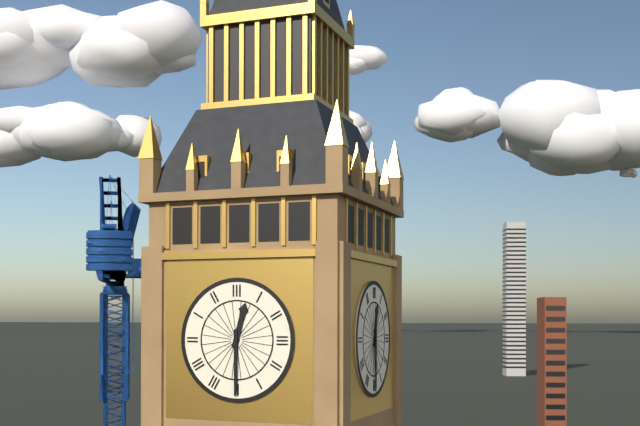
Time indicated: {"hour": 12, "minute": 30}
